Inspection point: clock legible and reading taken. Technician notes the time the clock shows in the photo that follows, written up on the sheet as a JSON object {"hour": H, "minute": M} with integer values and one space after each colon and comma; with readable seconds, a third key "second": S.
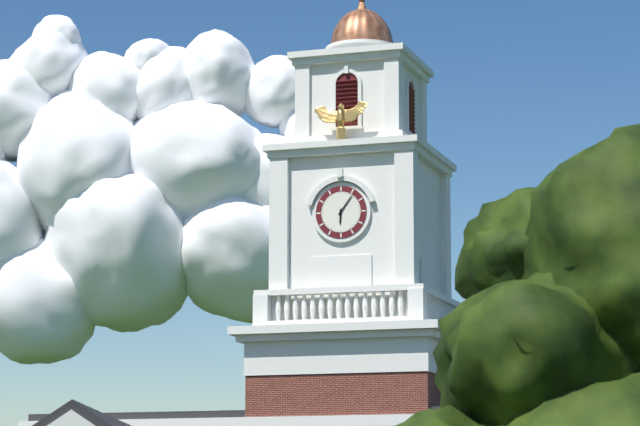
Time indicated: {"hour": 6, "minute": 6}
